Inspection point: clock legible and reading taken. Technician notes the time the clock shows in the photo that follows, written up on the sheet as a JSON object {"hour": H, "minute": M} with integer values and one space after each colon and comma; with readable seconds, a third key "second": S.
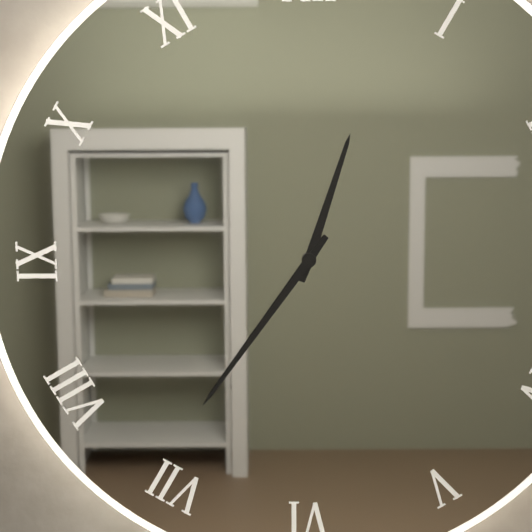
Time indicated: {"hour": 12, "minute": 36}
